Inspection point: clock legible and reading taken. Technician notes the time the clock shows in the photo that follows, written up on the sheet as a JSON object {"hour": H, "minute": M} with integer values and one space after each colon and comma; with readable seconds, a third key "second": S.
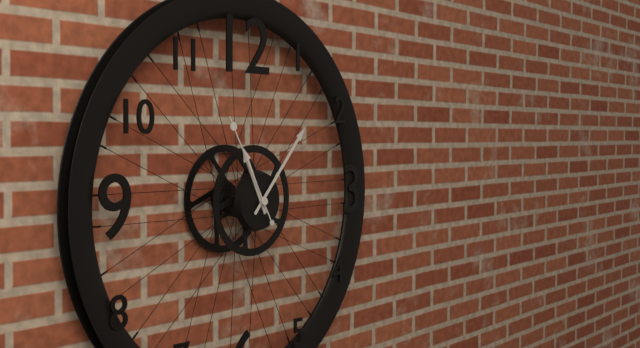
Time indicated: {"hour": 11, "minute": 7, "second": 55}
